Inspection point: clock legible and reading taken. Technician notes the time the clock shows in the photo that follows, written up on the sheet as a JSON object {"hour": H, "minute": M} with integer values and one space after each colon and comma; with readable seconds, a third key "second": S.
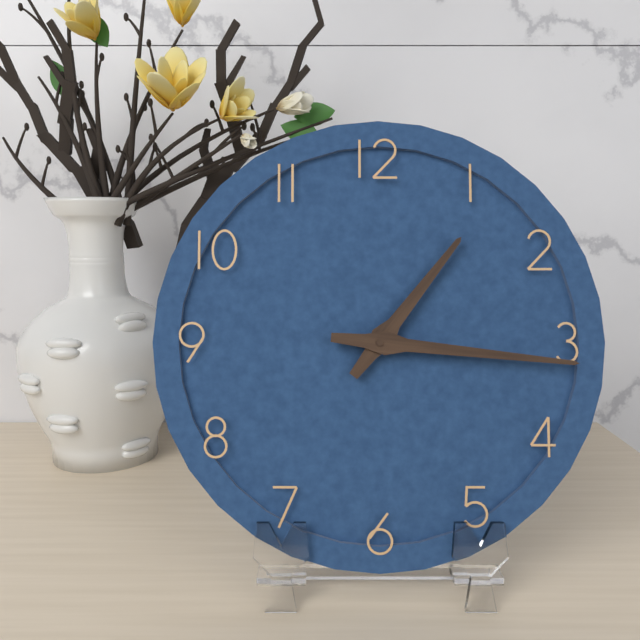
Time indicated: {"hour": 1, "minute": 16}
